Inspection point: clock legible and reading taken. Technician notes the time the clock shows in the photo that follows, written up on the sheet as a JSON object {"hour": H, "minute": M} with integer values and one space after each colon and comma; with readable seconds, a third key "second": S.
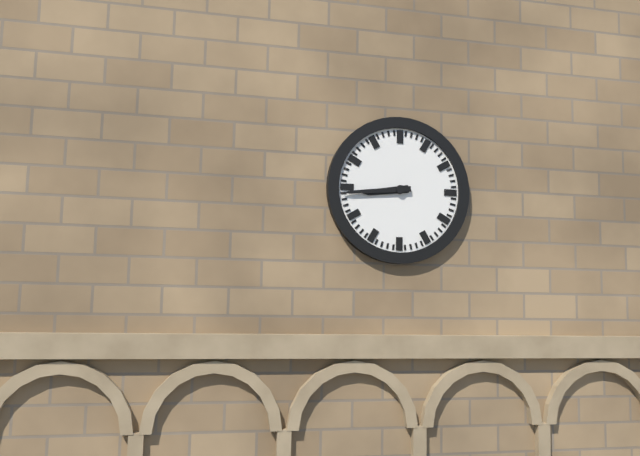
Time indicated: {"hour": 8, "minute": 44}
